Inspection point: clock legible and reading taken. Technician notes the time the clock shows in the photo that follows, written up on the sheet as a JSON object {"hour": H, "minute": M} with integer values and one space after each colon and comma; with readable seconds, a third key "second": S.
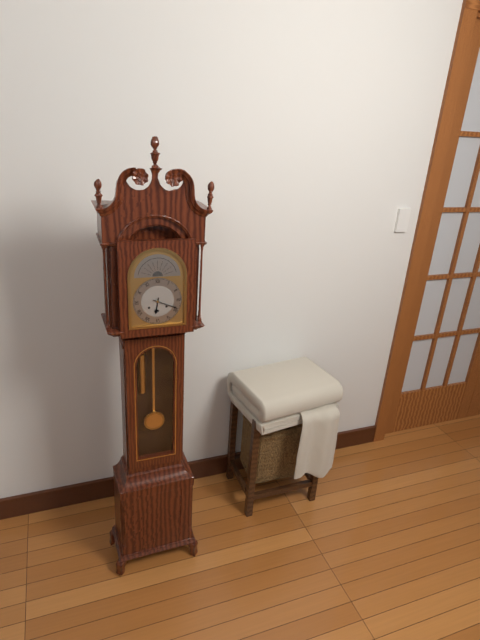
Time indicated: {"hour": 6, "minute": 19}
